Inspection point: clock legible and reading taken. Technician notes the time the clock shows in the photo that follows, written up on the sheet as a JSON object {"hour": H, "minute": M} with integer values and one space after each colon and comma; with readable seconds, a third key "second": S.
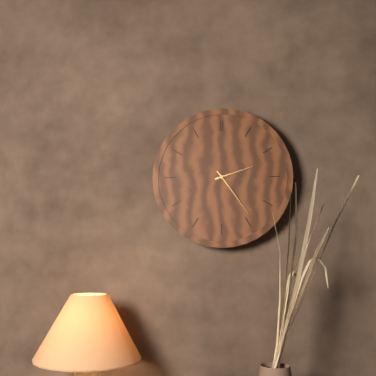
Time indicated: {"hour": 2, "minute": 24}
